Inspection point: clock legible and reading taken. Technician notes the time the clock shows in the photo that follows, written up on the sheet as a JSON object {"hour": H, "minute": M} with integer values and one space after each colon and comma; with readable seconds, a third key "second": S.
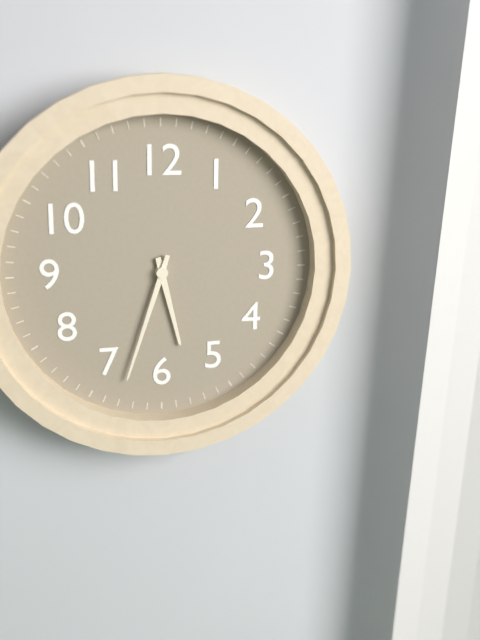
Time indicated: {"hour": 5, "minute": 33}
